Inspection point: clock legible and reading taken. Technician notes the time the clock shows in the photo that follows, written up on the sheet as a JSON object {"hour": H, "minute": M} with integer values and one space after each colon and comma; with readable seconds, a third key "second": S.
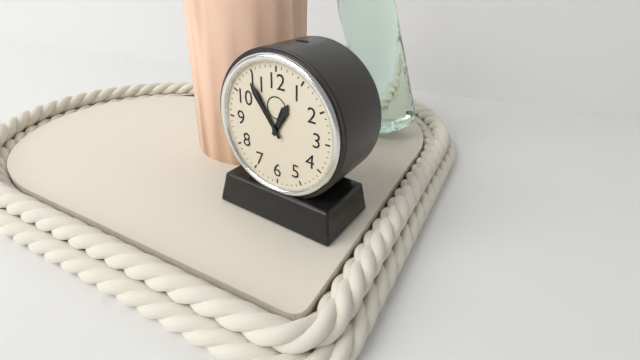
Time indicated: {"hour": 12, "minute": 54}
